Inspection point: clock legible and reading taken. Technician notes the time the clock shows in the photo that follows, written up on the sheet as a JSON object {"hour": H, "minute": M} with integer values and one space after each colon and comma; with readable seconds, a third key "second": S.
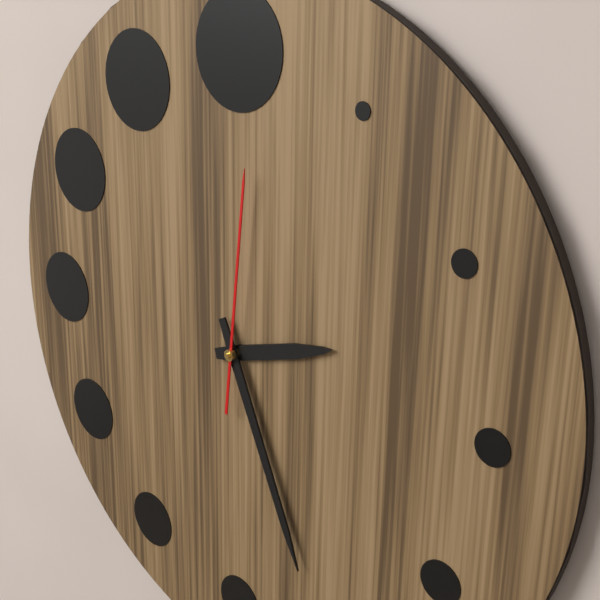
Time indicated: {"hour": 2, "minute": 26, "second": 1}
